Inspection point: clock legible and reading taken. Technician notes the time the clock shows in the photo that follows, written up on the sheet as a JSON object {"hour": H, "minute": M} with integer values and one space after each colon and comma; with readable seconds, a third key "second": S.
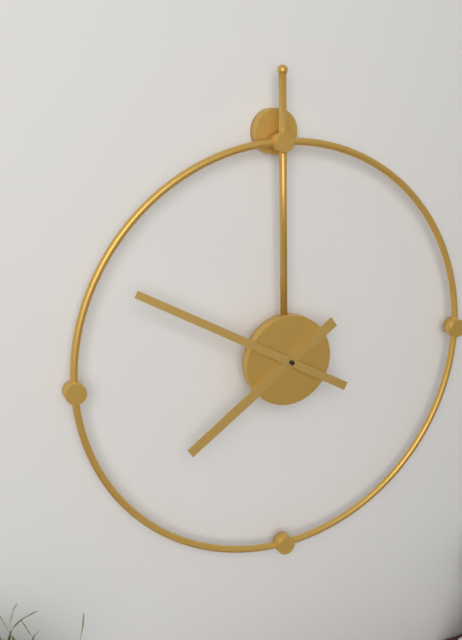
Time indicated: {"hour": 7, "minute": 50}
